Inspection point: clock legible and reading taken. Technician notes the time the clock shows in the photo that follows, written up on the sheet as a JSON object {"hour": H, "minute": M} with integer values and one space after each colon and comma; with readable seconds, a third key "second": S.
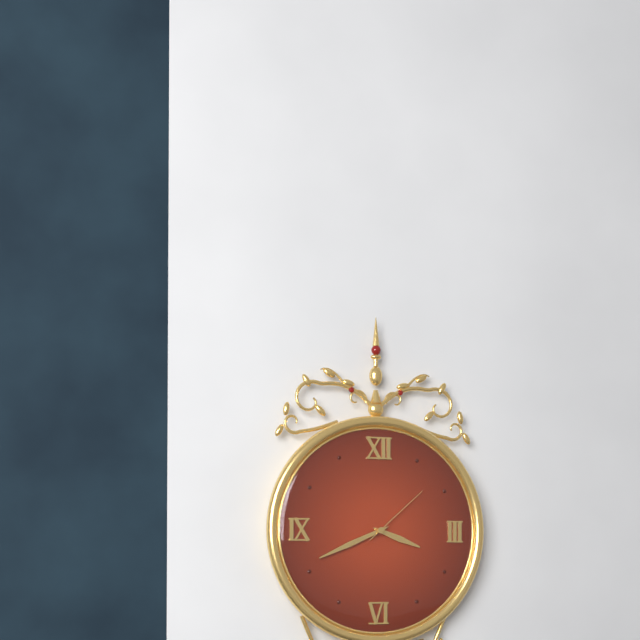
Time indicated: {"hour": 3, "minute": 41, "second": 8}
